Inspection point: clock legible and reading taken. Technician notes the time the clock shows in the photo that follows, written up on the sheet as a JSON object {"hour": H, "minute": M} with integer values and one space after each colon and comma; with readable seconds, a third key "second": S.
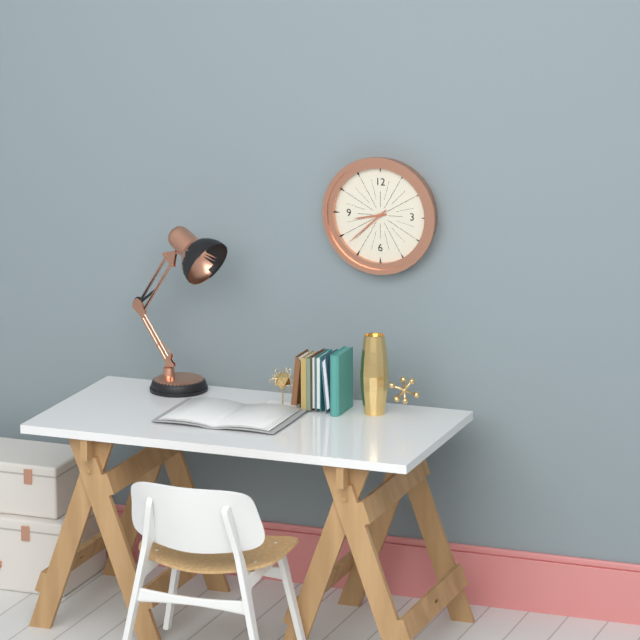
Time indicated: {"hour": 8, "minute": 38}
